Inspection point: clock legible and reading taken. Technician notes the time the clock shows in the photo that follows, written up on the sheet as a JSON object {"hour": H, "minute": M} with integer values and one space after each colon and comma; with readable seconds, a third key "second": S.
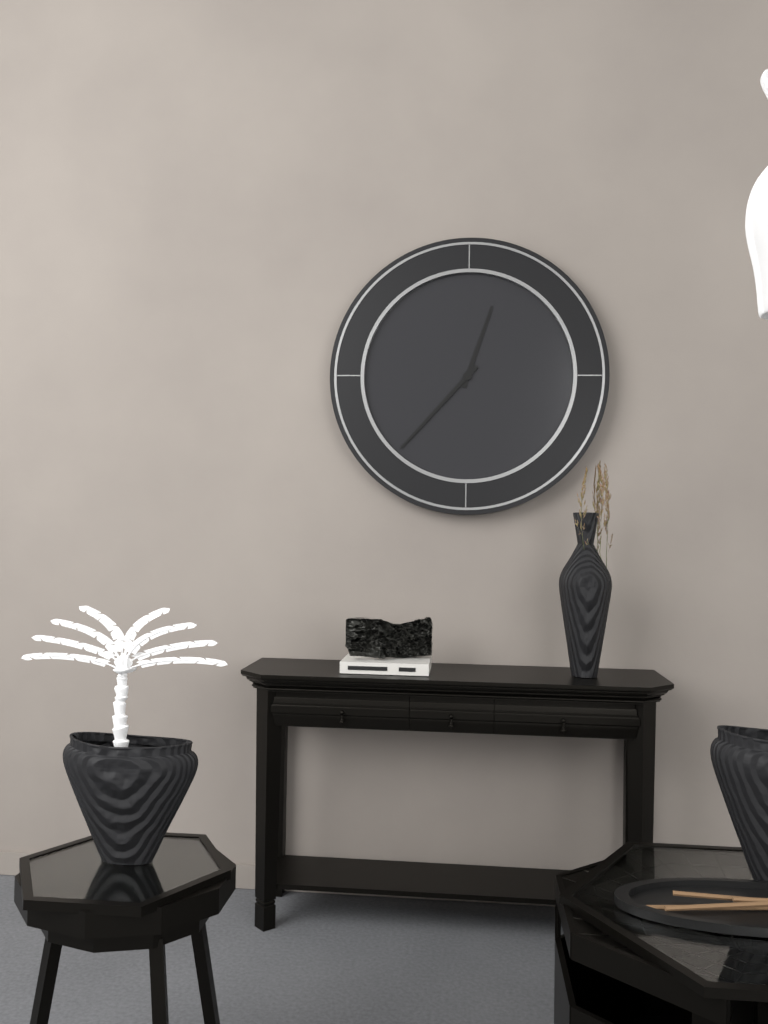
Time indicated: {"hour": 12, "minute": 37}
